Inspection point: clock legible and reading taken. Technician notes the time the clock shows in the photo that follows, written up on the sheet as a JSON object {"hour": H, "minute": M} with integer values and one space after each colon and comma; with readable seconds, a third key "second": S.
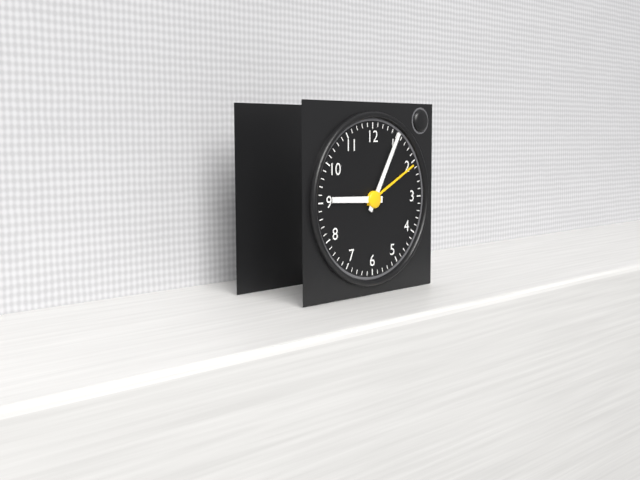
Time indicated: {"hour": 9, "minute": 5}
